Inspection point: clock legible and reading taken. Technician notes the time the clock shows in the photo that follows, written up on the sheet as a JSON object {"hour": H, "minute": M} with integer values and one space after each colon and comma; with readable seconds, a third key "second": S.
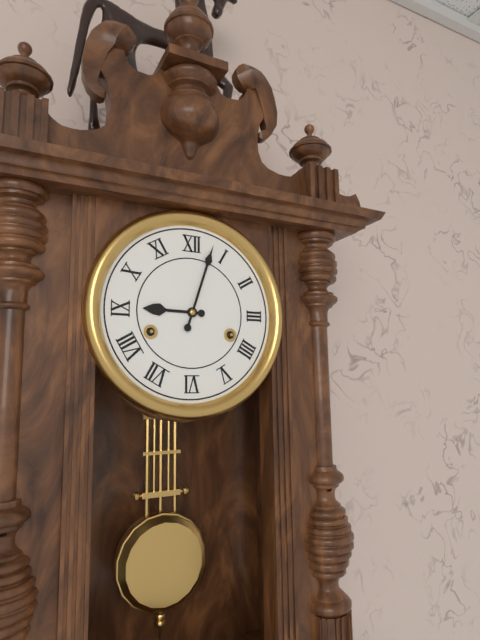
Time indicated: {"hour": 9, "minute": 3}
